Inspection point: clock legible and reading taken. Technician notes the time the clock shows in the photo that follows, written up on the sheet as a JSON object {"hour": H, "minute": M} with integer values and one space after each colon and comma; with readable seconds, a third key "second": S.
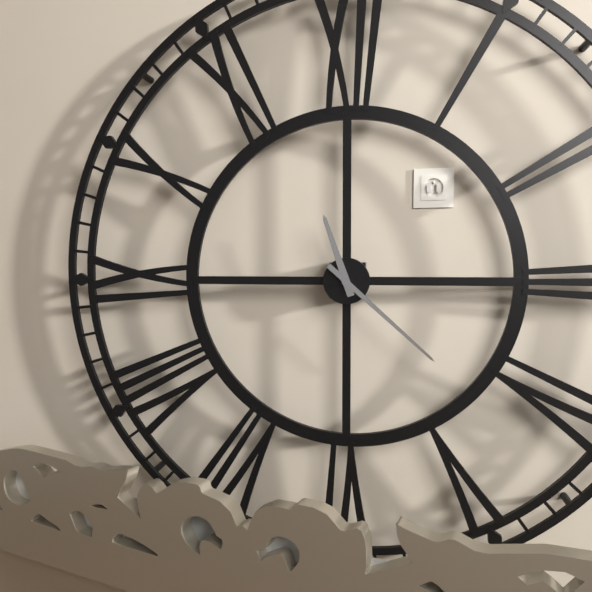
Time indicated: {"hour": 11, "minute": 22}
